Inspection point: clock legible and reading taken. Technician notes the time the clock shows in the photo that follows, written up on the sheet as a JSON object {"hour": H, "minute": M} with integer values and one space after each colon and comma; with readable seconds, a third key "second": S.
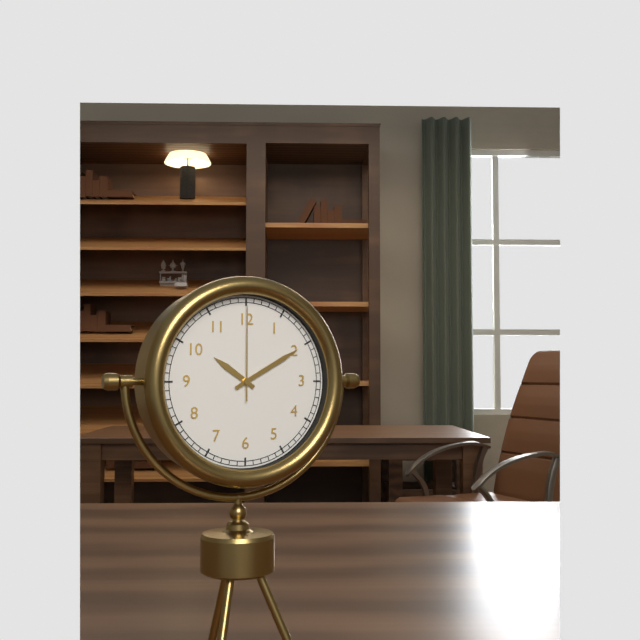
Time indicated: {"hour": 10, "minute": 10, "second": 0}
